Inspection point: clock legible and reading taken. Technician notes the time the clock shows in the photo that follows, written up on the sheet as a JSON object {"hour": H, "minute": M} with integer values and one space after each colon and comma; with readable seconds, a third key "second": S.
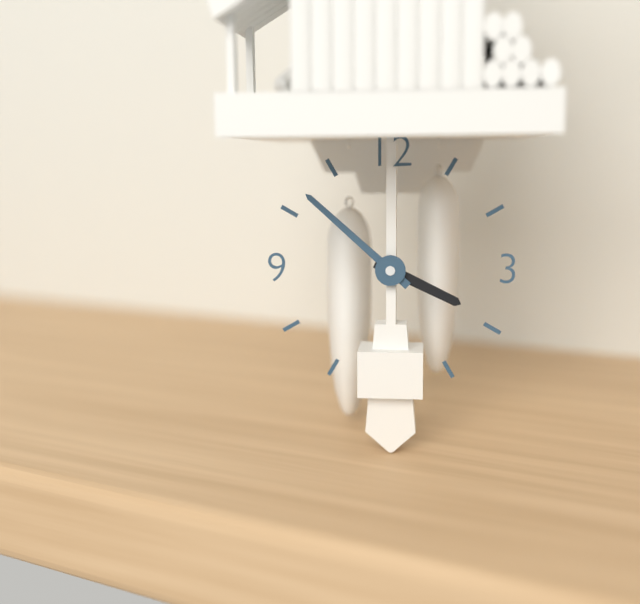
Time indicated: {"hour": 3, "minute": 52}
